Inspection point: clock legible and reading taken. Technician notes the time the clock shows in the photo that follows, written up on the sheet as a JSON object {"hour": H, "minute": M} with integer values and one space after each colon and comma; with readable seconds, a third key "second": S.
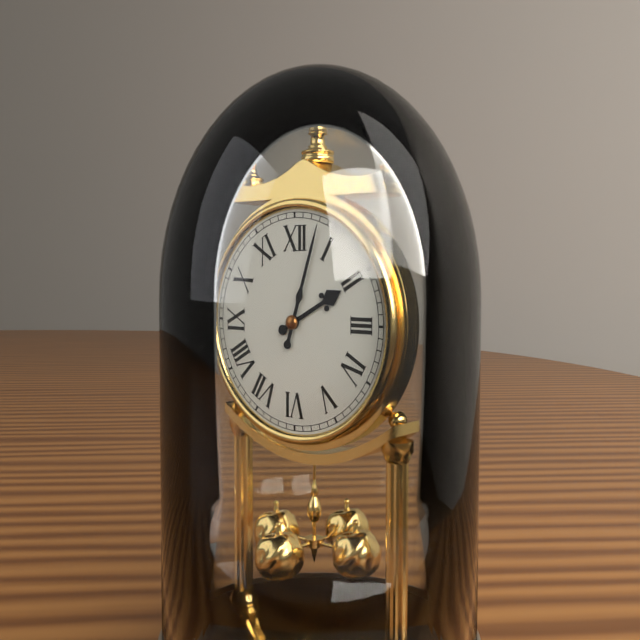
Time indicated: {"hour": 2, "minute": 3}
